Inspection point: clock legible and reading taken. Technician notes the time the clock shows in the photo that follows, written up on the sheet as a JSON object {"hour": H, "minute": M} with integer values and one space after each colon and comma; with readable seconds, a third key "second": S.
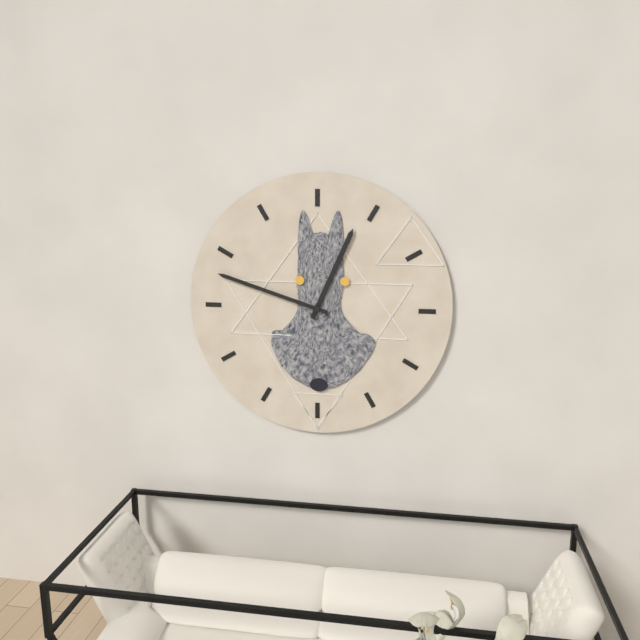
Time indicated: {"hour": 12, "minute": 48}
